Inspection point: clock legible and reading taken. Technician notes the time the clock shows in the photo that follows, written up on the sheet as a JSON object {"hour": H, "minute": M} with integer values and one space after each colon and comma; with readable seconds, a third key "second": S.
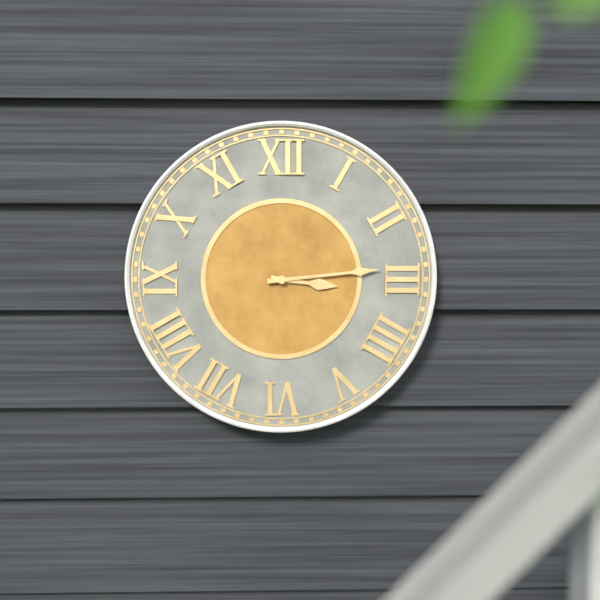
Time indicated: {"hour": 3, "minute": 14}
